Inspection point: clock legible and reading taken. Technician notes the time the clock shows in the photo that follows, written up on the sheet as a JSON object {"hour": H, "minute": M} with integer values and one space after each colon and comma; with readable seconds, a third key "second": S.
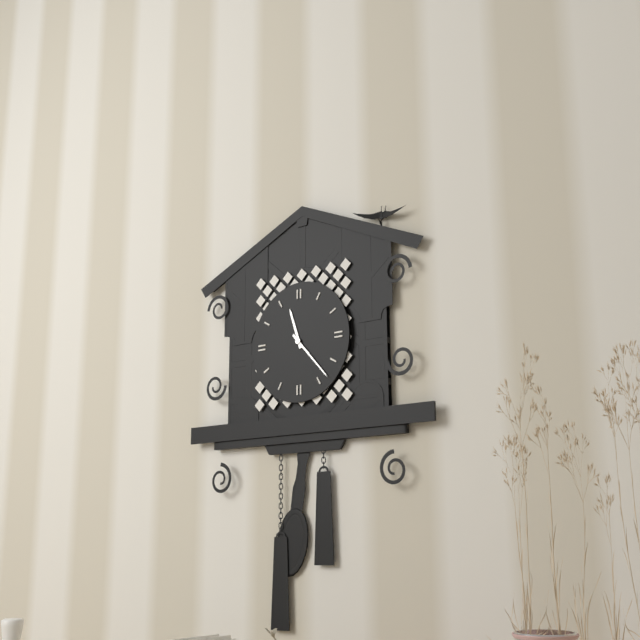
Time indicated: {"hour": 11, "minute": 23}
